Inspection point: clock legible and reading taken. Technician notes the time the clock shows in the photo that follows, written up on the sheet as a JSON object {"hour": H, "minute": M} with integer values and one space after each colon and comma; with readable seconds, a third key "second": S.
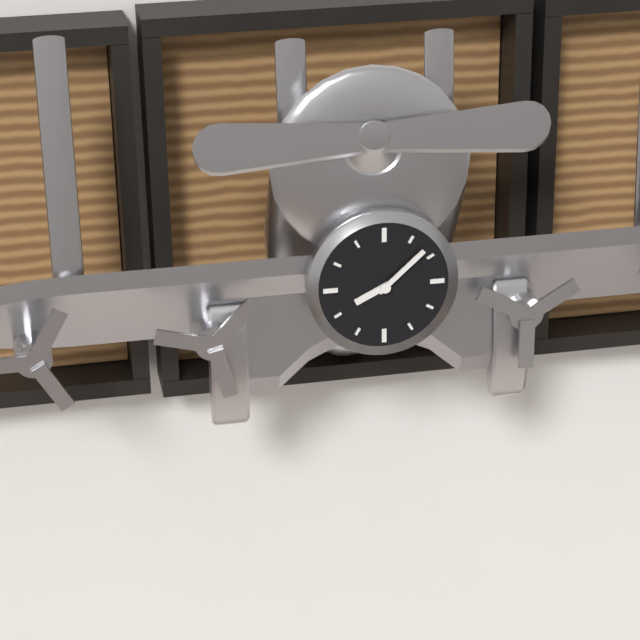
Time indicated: {"hour": 8, "minute": 8}
